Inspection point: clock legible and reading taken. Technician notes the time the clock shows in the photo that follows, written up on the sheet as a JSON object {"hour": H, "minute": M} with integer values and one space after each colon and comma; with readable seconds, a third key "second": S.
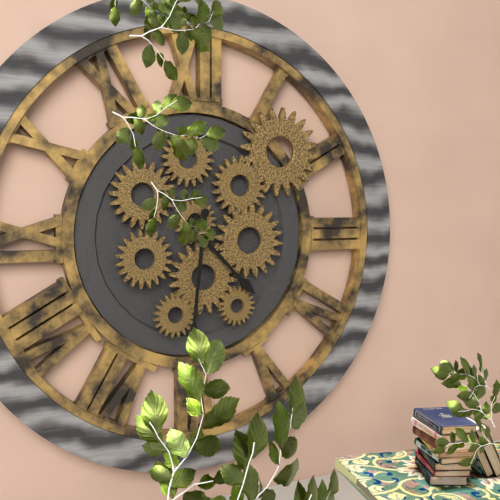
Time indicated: {"hour": 4, "minute": 31}
